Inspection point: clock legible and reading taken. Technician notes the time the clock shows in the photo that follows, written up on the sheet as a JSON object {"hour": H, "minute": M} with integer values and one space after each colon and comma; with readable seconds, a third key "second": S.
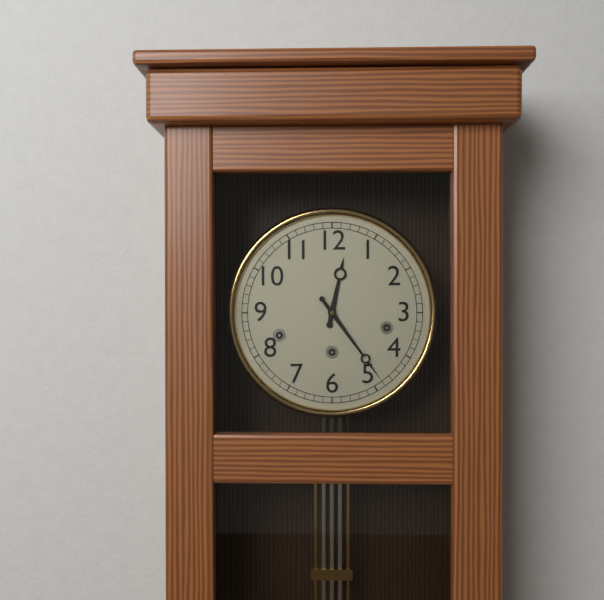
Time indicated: {"hour": 12, "minute": 24}
